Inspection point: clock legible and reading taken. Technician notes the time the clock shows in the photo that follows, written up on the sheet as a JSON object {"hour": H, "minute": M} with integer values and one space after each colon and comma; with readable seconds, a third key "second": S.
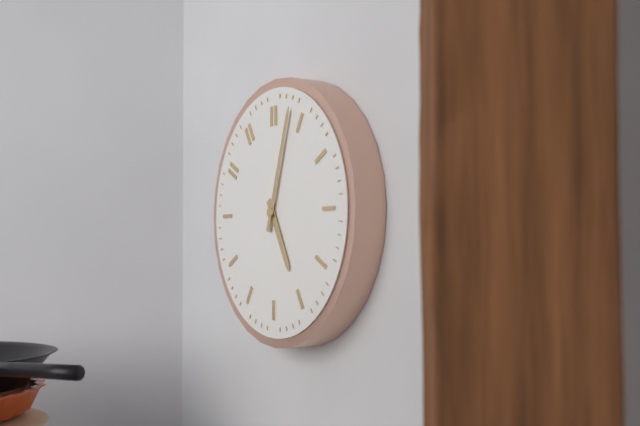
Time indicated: {"hour": 5, "minute": 3}
